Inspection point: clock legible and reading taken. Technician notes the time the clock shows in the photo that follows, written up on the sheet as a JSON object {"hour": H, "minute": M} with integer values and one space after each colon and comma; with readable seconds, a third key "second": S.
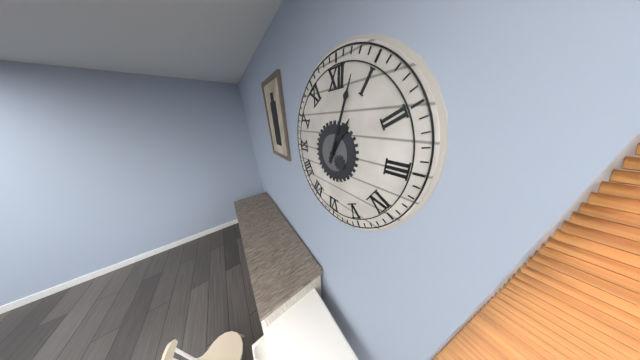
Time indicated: {"hour": 1, "minute": 3}
